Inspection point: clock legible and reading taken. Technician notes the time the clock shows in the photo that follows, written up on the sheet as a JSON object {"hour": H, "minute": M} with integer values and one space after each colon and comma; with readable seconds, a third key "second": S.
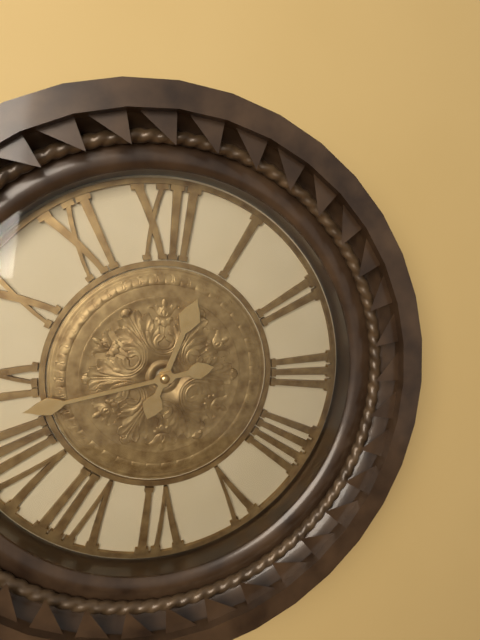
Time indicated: {"hour": 12, "minute": 43}
